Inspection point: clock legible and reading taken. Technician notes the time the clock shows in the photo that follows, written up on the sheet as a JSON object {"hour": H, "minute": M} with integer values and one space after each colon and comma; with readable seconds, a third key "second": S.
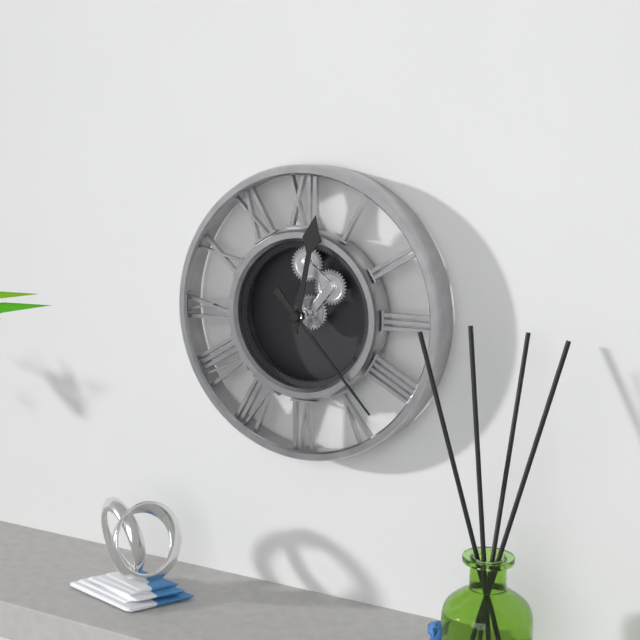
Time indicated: {"hour": 12, "minute": 23}
